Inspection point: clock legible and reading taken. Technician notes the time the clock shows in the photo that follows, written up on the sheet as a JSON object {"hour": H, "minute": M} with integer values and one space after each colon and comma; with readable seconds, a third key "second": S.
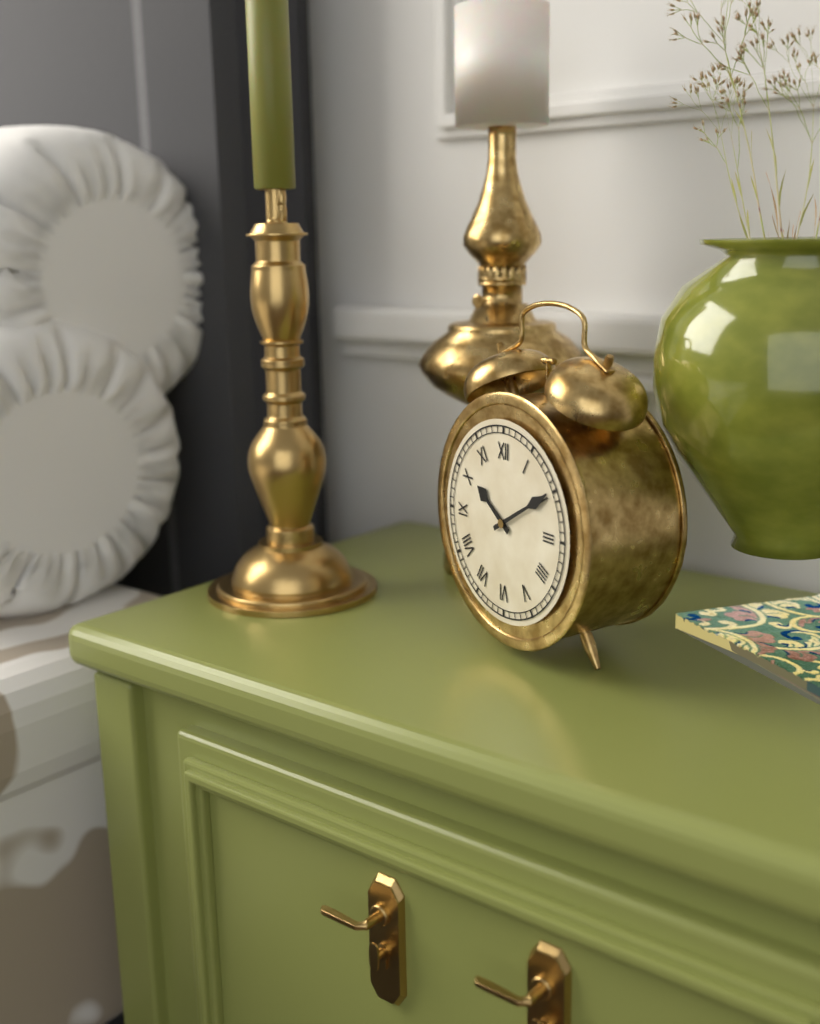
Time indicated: {"hour": 10, "minute": 10}
